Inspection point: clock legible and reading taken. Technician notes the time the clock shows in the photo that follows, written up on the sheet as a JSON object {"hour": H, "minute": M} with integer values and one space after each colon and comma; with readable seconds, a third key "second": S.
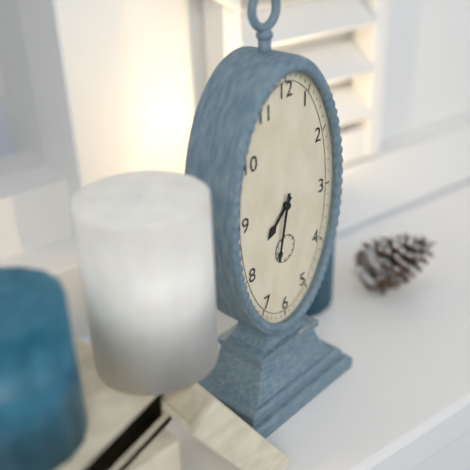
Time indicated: {"hour": 7, "minute": 32}
